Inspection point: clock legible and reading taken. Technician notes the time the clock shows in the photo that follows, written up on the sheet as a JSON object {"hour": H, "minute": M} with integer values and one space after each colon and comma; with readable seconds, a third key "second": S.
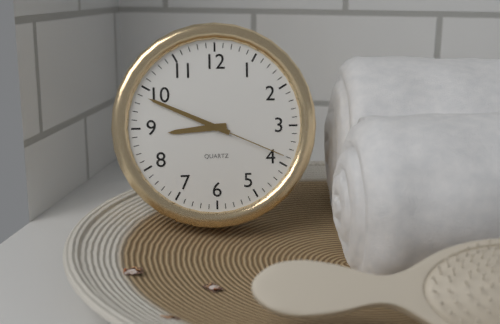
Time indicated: {"hour": 8, "minute": 49, "second": 19}
